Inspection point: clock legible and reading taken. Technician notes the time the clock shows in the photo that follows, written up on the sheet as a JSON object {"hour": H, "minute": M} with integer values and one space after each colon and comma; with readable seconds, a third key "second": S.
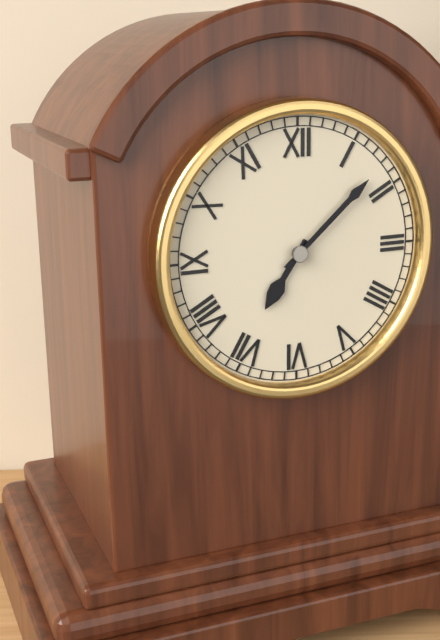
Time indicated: {"hour": 7, "minute": 8}
